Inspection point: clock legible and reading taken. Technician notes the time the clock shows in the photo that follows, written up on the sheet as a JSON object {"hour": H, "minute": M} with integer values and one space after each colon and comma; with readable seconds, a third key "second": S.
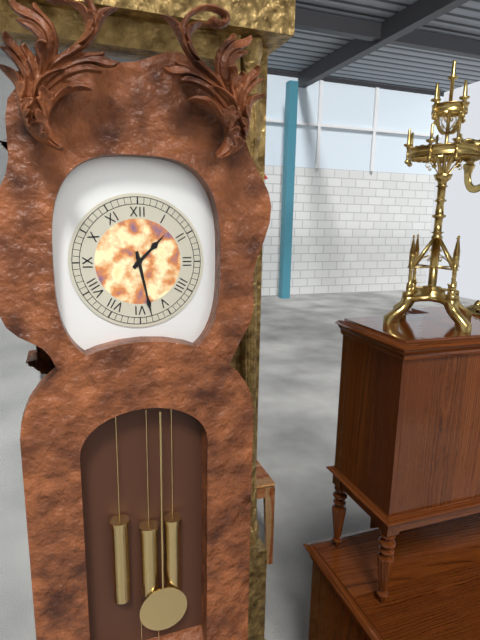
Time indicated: {"hour": 1, "minute": 28}
